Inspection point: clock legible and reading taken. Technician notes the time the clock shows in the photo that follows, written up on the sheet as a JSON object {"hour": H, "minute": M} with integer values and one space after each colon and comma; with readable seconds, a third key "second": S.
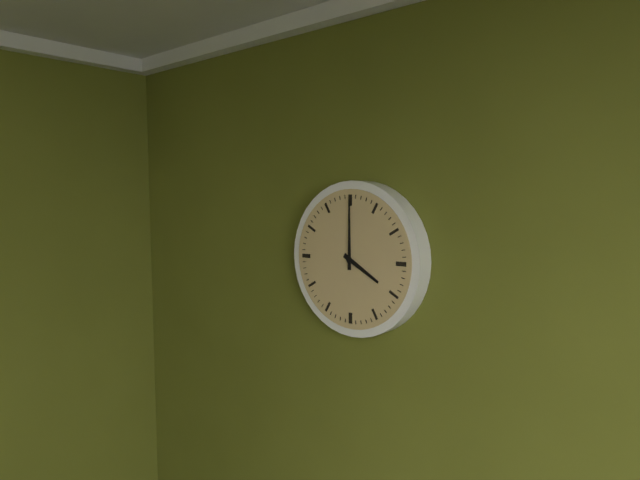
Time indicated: {"hour": 4, "minute": 0}
